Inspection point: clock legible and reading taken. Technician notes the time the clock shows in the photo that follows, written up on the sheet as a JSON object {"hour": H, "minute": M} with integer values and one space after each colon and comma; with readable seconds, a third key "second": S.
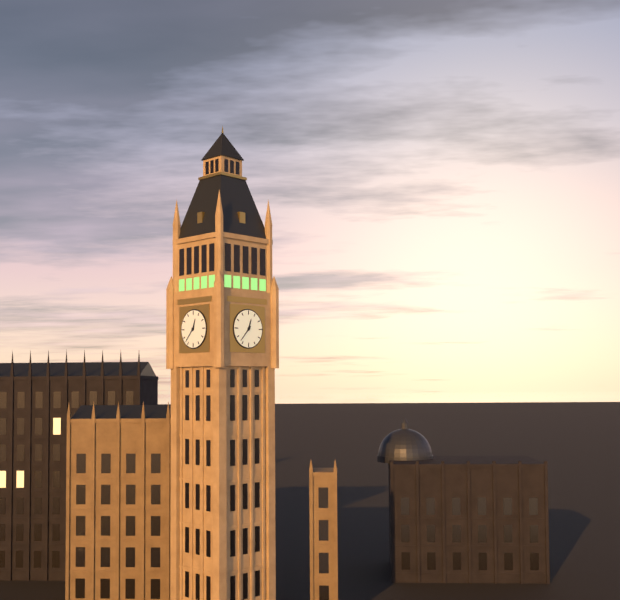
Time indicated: {"hour": 12, "minute": 37}
